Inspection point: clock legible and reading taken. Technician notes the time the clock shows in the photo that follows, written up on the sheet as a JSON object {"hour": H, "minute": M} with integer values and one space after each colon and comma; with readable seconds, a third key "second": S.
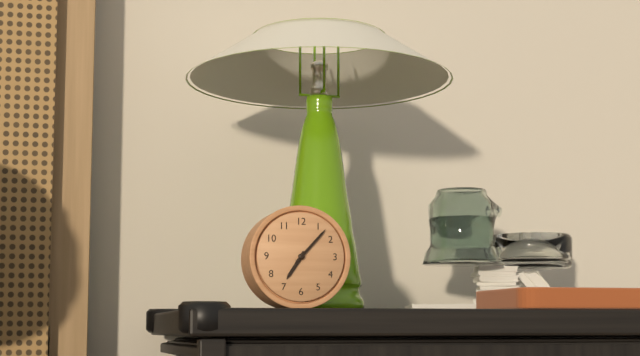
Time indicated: {"hour": 7, "minute": 7}
